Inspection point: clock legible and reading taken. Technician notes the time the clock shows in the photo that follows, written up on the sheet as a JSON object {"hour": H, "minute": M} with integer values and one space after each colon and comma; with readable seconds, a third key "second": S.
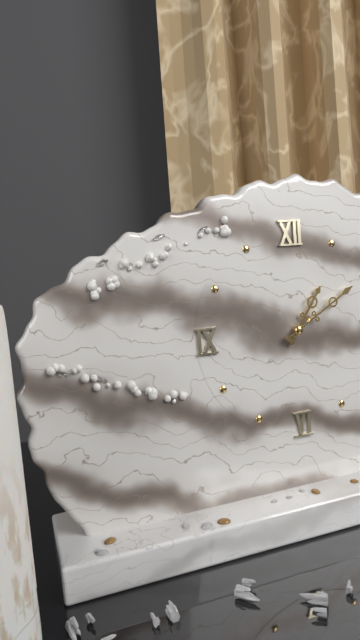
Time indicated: {"hour": 1, "minute": 10}
